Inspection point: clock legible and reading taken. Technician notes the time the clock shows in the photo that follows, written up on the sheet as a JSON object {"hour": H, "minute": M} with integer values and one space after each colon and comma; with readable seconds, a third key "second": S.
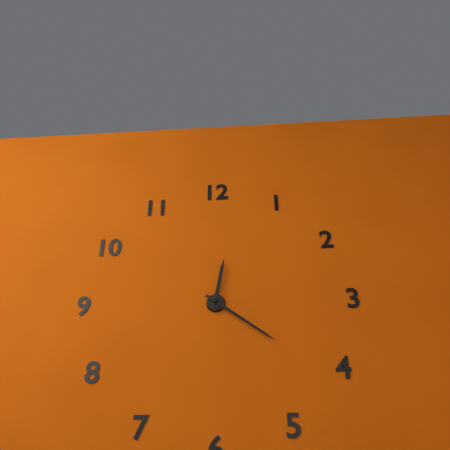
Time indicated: {"hour": 12, "minute": 21}
